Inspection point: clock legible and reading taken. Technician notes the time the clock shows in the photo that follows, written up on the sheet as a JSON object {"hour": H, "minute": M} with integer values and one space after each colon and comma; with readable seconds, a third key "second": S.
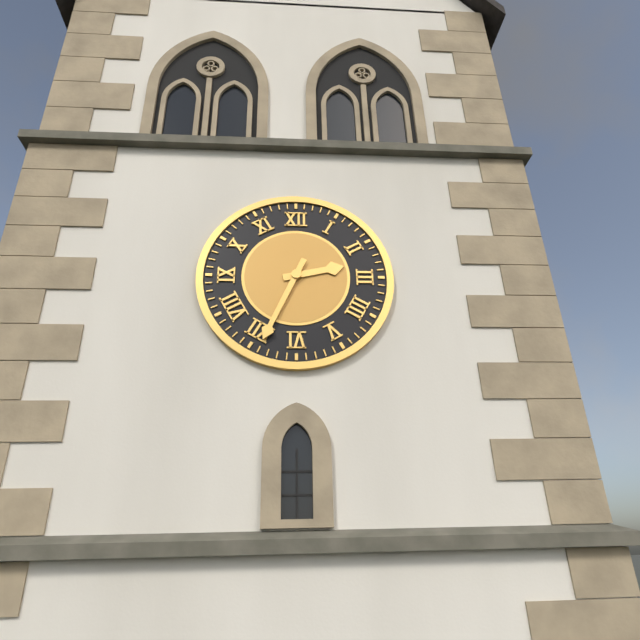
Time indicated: {"hour": 2, "minute": 34}
